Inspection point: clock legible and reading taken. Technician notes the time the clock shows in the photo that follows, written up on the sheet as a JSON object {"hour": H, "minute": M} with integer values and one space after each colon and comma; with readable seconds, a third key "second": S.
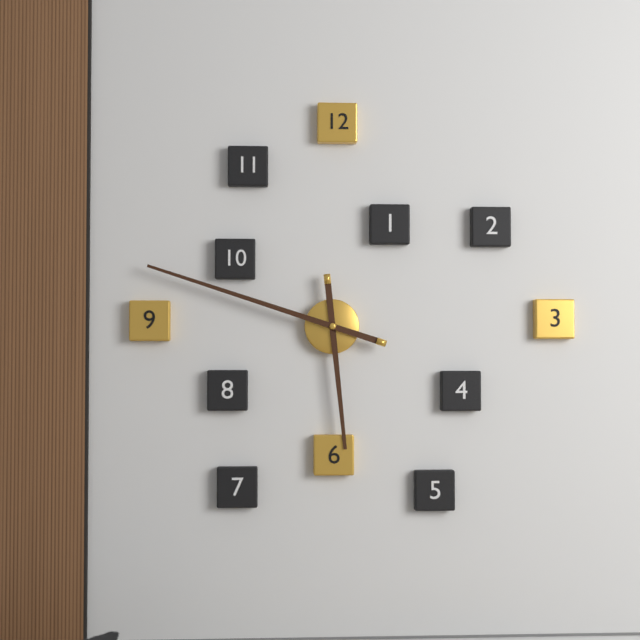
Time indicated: {"hour": 5, "minute": 48}
